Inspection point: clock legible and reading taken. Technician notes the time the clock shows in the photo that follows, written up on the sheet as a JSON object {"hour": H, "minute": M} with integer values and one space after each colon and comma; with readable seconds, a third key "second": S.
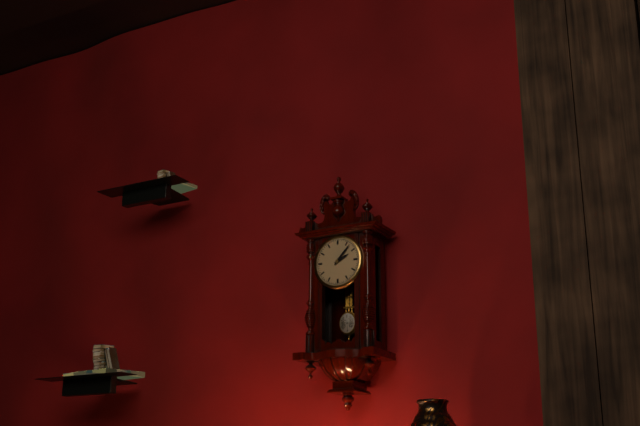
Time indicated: {"hour": 2, "minute": 7}
